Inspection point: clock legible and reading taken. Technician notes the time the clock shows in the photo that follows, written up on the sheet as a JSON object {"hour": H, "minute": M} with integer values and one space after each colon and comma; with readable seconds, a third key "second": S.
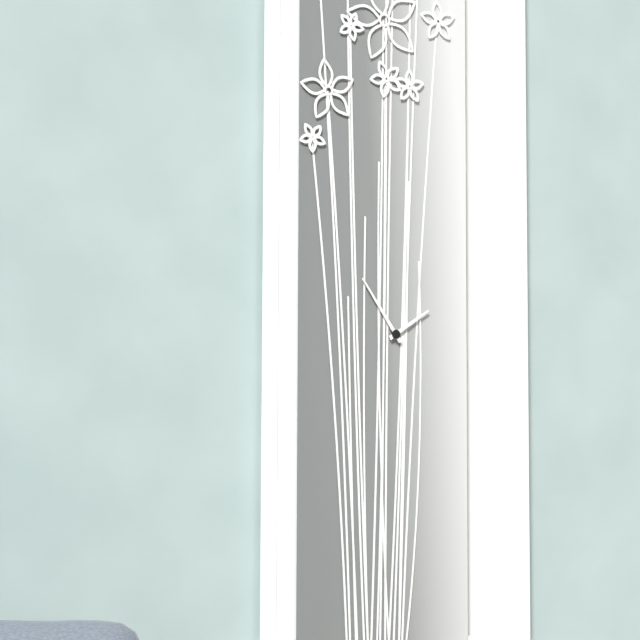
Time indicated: {"hour": 1, "minute": 54}
